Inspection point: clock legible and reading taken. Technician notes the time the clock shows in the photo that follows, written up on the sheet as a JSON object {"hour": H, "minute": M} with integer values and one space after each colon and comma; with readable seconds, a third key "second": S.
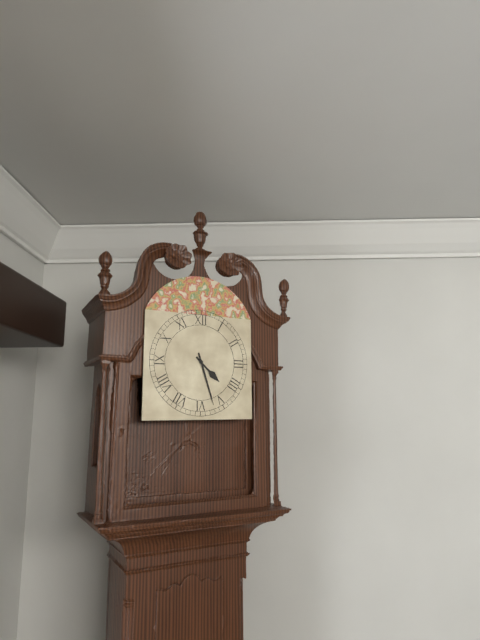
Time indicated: {"hour": 4, "minute": 27}
